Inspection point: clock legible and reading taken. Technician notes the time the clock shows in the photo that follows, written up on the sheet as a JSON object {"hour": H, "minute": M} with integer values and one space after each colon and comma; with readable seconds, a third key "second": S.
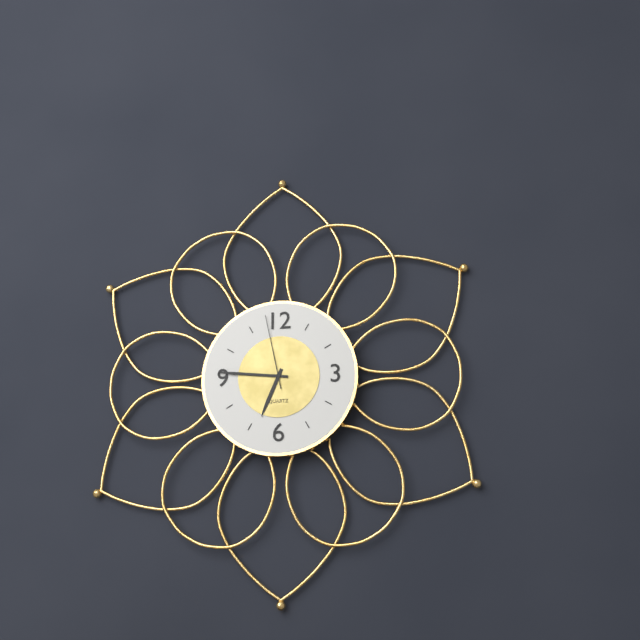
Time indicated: {"hour": 6, "minute": 46, "second": 58}
